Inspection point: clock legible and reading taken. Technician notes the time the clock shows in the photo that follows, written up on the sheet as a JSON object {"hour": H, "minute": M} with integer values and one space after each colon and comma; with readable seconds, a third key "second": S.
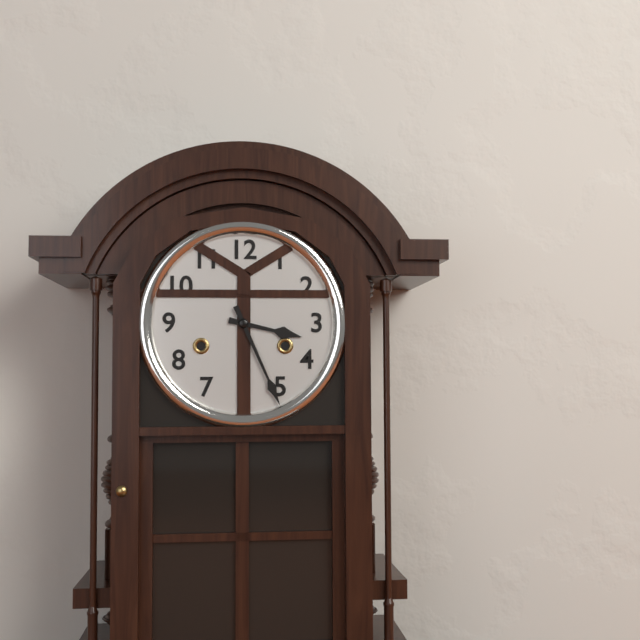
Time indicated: {"hour": 3, "minute": 26}
